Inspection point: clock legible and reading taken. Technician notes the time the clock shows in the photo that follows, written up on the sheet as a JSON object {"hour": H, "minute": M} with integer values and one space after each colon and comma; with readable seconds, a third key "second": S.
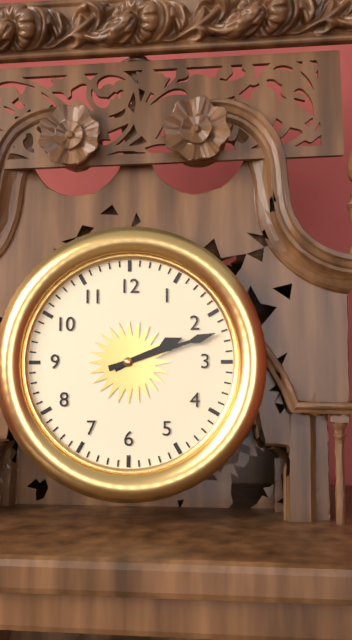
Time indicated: {"hour": 2, "minute": 12}
